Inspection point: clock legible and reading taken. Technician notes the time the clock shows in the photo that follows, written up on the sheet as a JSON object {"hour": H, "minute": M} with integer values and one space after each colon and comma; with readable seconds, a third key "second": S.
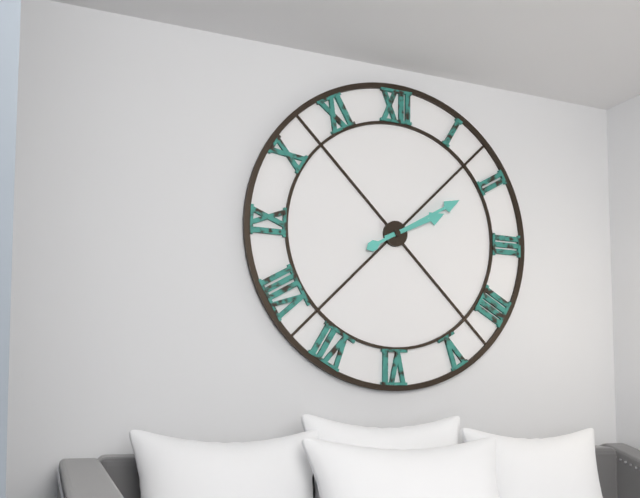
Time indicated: {"hour": 2, "minute": 10}
